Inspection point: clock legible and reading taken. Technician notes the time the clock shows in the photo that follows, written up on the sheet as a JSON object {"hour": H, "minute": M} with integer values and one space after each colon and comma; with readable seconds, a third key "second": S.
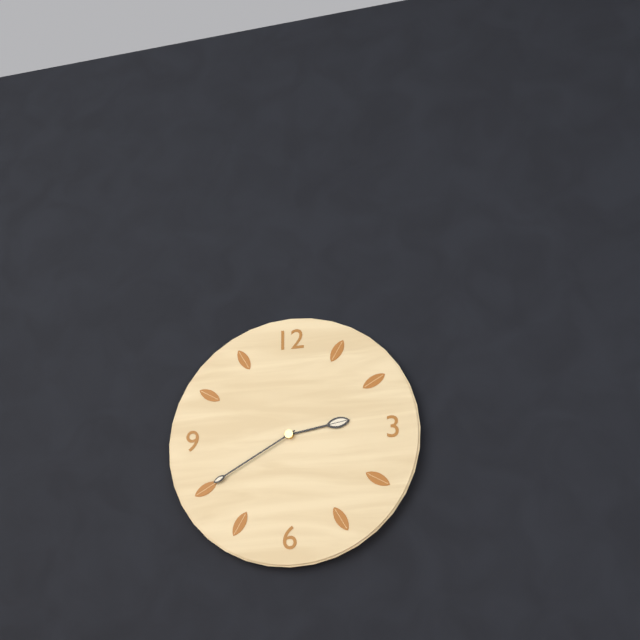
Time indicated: {"hour": 2, "minute": 40}
